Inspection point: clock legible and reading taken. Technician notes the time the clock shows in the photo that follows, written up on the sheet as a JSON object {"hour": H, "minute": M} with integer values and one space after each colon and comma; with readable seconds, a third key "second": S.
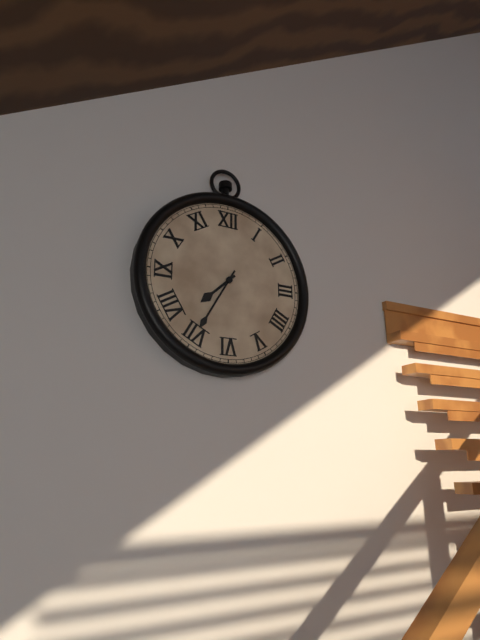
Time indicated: {"hour": 7, "minute": 35}
